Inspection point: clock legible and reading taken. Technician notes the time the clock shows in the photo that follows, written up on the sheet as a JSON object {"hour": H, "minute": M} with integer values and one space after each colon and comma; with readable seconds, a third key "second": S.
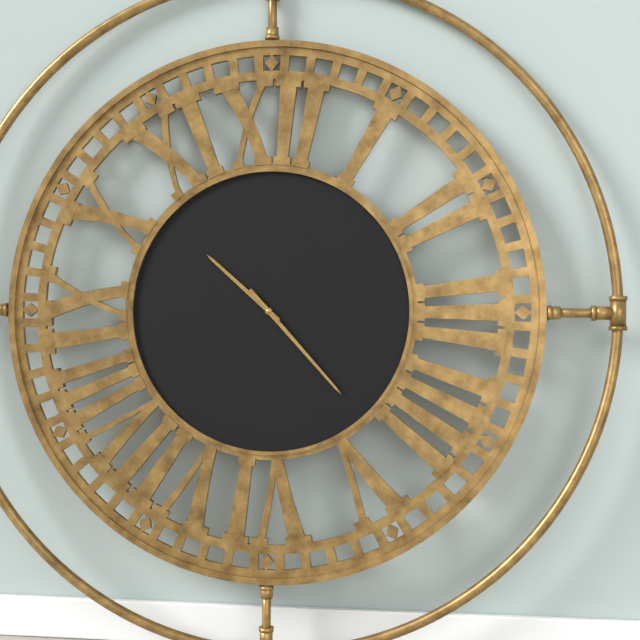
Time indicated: {"hour": 10, "minute": 23}
